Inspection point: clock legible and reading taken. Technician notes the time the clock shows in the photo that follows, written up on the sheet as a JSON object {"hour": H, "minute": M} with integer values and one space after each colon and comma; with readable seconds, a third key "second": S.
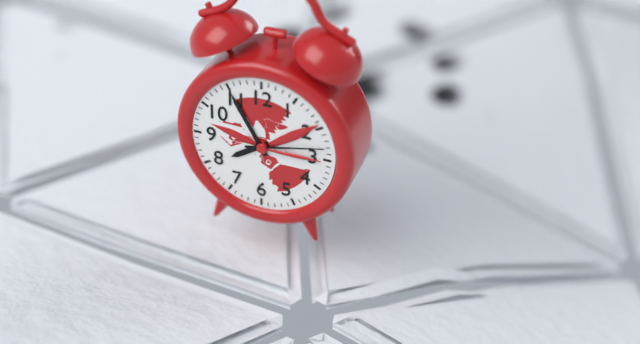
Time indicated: {"hour": 7, "minute": 55, "second": 13}
